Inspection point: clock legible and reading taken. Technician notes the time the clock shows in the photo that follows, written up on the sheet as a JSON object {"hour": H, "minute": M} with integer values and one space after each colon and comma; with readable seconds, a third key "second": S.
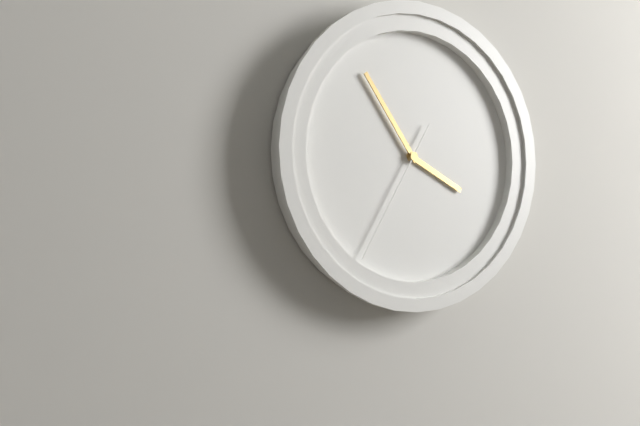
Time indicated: {"hour": 3, "minute": 54, "second": 35}
